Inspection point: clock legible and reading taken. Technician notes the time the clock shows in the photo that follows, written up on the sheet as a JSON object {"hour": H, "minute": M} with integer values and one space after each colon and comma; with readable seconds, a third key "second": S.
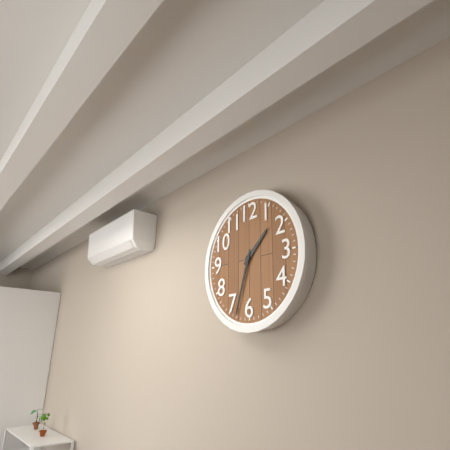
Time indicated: {"hour": 1, "minute": 33}
